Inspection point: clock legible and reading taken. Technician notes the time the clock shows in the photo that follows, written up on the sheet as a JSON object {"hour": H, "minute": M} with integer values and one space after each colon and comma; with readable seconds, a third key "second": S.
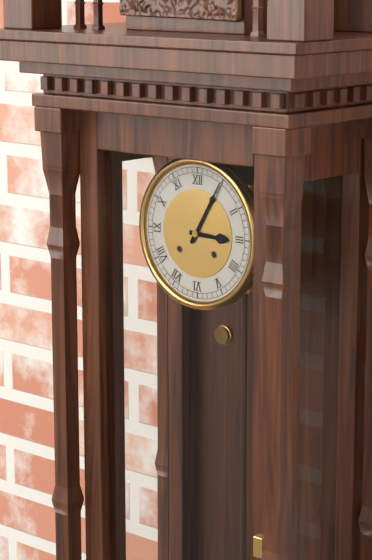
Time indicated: {"hour": 3, "minute": 5}
